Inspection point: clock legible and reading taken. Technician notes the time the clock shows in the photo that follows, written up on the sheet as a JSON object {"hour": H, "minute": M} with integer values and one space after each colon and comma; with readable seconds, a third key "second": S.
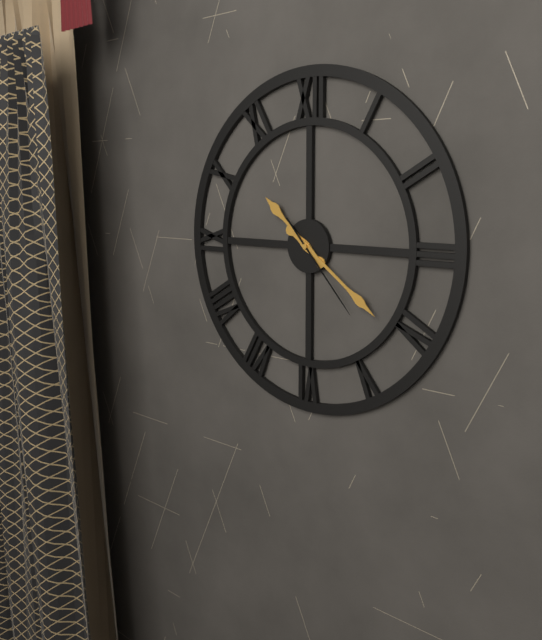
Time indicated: {"hour": 10, "minute": 21, "second": 23}
